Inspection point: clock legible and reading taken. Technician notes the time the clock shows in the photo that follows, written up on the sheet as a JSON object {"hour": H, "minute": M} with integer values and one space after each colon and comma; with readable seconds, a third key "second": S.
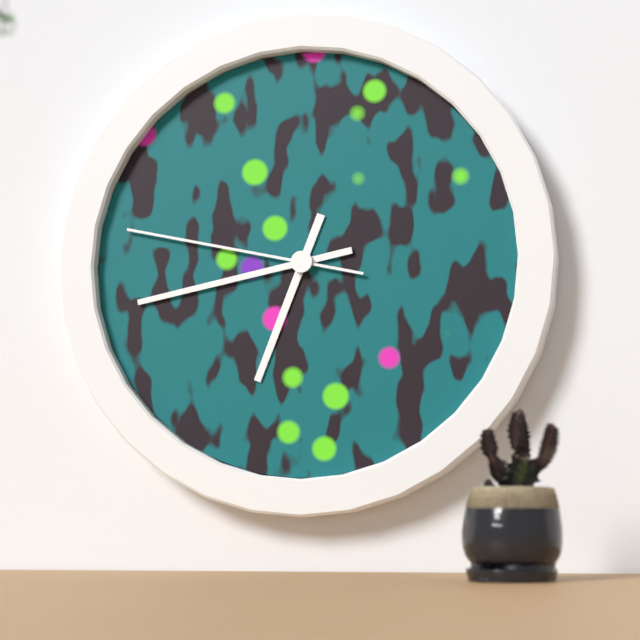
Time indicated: {"hour": 6, "minute": 43, "second": 47}
